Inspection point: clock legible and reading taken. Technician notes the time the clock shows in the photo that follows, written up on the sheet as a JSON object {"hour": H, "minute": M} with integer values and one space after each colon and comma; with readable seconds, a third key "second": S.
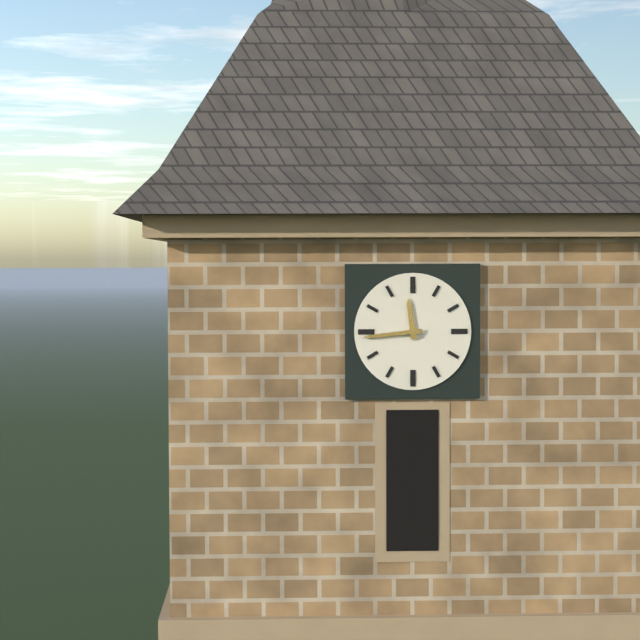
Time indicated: {"hour": 11, "minute": 44}
